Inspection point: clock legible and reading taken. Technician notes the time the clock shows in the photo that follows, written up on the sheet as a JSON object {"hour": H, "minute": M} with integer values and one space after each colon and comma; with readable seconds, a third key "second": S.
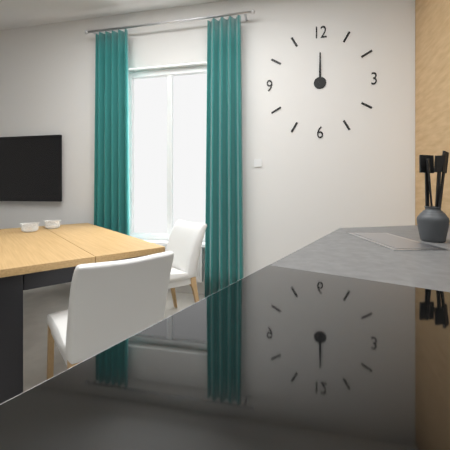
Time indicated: {"hour": 12, "minute": 0}
